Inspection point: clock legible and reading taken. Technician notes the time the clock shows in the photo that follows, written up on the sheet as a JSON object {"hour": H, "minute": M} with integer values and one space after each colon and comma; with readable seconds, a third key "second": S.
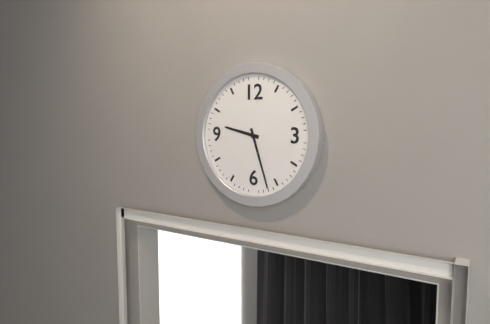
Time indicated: {"hour": 9, "minute": 27}
